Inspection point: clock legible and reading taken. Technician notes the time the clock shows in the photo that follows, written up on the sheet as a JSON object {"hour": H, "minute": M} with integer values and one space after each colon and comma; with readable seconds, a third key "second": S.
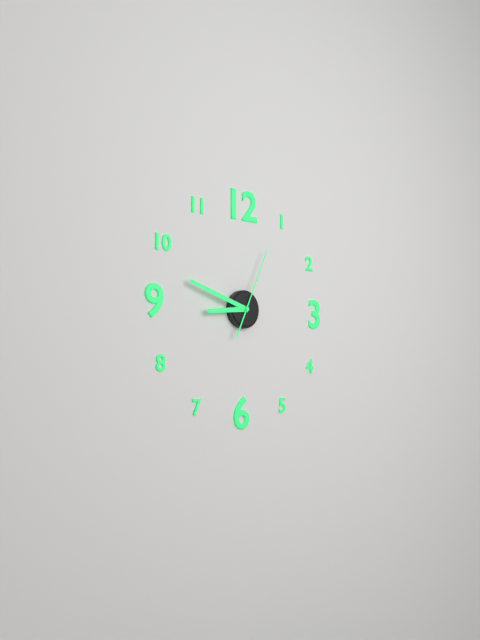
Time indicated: {"hour": 8, "minute": 48, "second": 4}
